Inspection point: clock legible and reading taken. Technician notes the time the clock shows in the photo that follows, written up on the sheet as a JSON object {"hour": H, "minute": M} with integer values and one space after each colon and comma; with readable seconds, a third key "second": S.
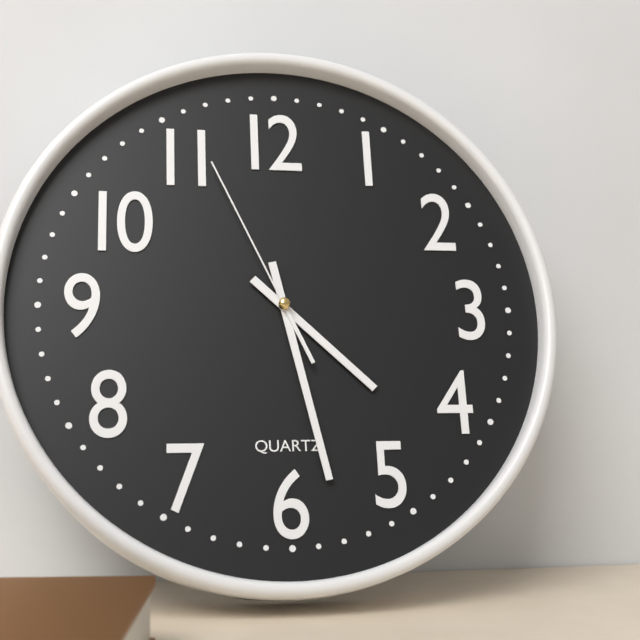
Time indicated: {"hour": 4, "minute": 28, "second": 56}
